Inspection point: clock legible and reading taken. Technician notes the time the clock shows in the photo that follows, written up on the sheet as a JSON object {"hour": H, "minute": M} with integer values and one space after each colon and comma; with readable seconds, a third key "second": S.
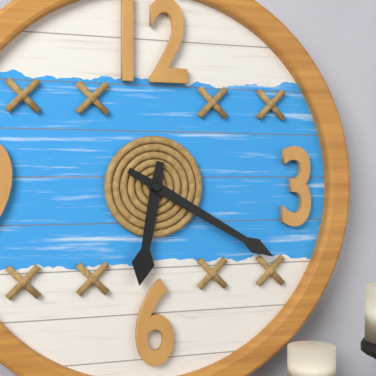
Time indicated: {"hour": 6, "minute": 20}
